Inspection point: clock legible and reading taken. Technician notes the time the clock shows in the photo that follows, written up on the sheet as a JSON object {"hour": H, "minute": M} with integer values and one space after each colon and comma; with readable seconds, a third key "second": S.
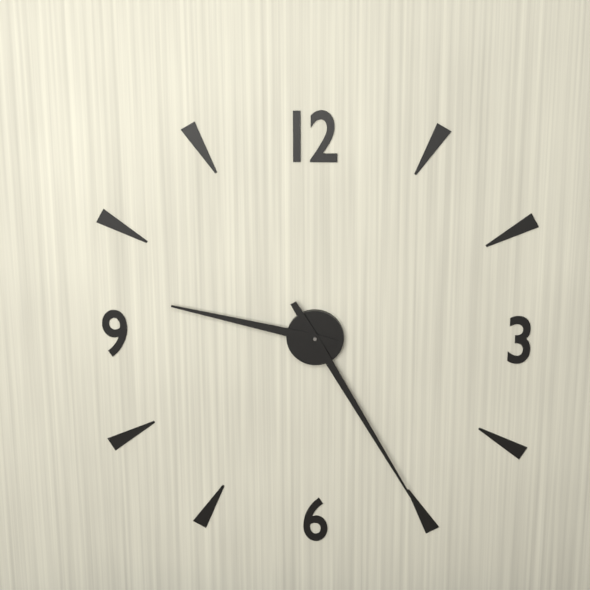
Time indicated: {"hour": 9, "minute": 25}
